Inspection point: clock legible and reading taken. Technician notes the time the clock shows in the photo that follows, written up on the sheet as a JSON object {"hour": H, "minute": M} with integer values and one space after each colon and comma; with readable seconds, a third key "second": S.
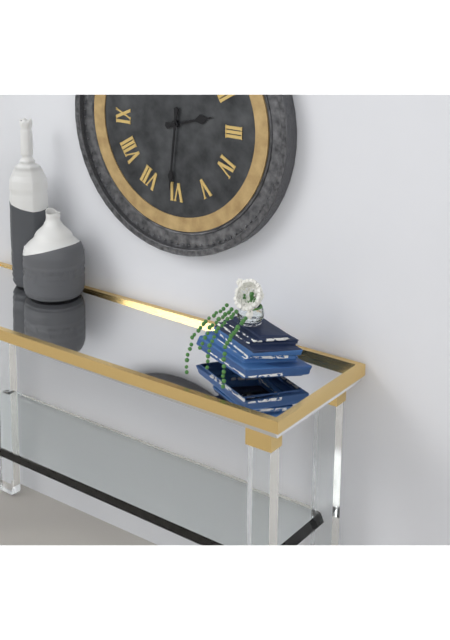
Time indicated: {"hour": 2, "minute": 31}
